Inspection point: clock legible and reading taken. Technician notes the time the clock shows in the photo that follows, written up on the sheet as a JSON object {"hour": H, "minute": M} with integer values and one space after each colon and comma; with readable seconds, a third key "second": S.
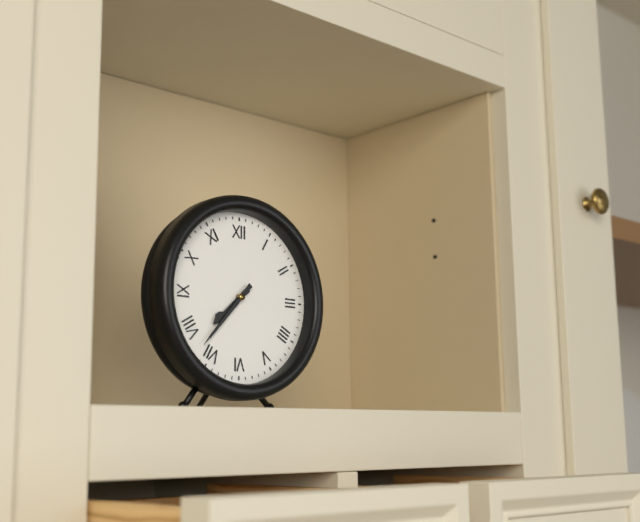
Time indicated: {"hour": 7, "minute": 37}
